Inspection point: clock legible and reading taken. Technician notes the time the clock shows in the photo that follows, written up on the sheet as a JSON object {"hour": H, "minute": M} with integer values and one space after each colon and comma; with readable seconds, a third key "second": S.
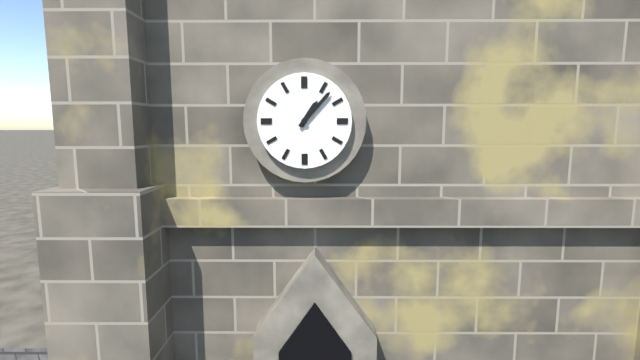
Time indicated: {"hour": 1, "minute": 7}
